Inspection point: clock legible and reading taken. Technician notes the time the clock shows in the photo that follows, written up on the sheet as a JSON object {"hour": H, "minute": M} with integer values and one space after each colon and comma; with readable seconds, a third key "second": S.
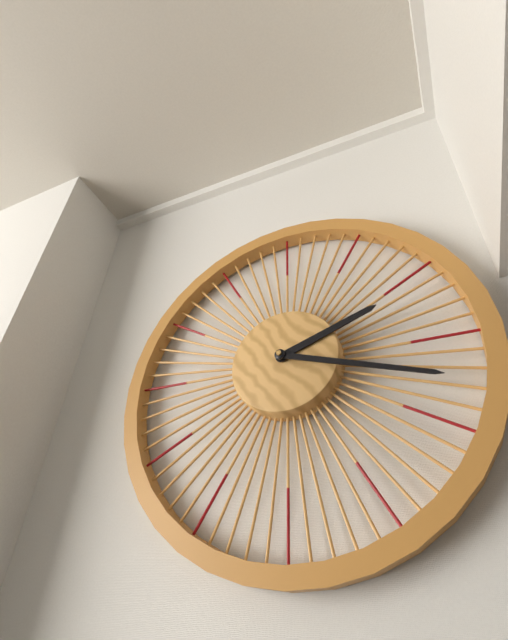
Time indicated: {"hour": 2, "minute": 18}
